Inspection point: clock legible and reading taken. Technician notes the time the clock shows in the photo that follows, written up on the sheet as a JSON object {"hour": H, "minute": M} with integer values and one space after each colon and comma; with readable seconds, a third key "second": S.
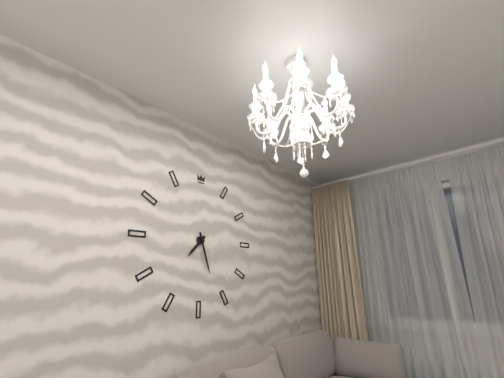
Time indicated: {"hour": 7, "minute": 27}
